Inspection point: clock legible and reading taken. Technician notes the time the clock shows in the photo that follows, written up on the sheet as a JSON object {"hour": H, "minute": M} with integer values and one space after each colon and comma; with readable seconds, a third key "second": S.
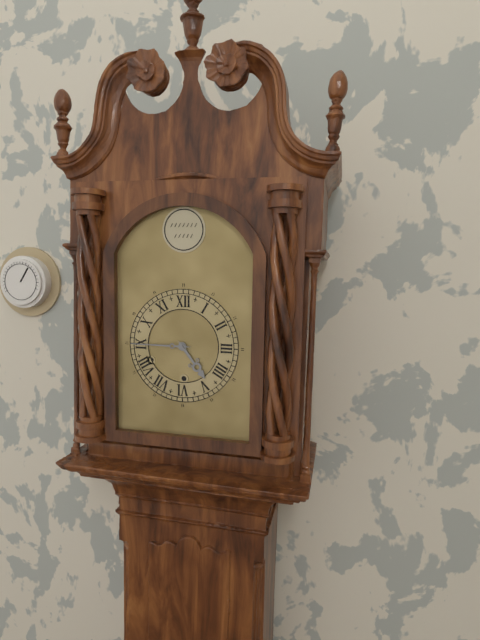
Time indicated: {"hour": 4, "minute": 45}
